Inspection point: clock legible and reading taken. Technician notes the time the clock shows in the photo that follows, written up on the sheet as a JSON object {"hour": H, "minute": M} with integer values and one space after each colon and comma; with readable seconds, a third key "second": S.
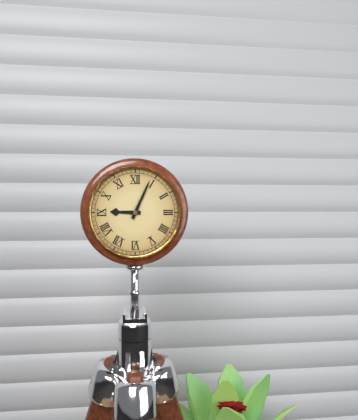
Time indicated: {"hour": 9, "minute": 4}
